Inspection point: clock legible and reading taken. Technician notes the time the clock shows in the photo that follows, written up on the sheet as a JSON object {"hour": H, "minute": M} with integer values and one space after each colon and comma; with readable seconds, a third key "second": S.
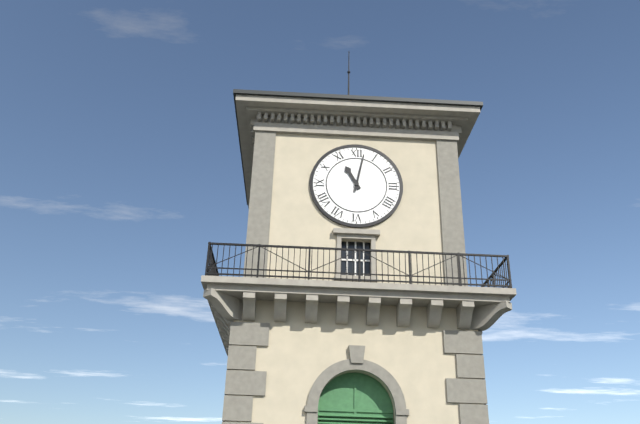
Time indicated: {"hour": 11, "minute": 2}
